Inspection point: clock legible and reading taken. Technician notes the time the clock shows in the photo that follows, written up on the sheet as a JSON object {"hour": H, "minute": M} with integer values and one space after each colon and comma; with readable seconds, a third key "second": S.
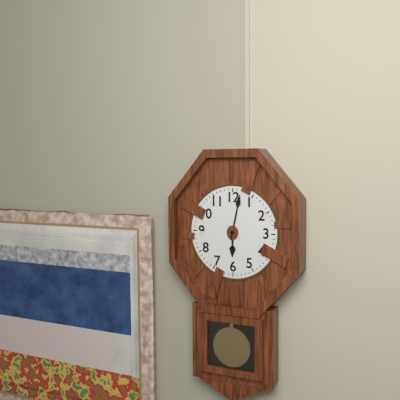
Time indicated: {"hour": 6, "minute": 2}
